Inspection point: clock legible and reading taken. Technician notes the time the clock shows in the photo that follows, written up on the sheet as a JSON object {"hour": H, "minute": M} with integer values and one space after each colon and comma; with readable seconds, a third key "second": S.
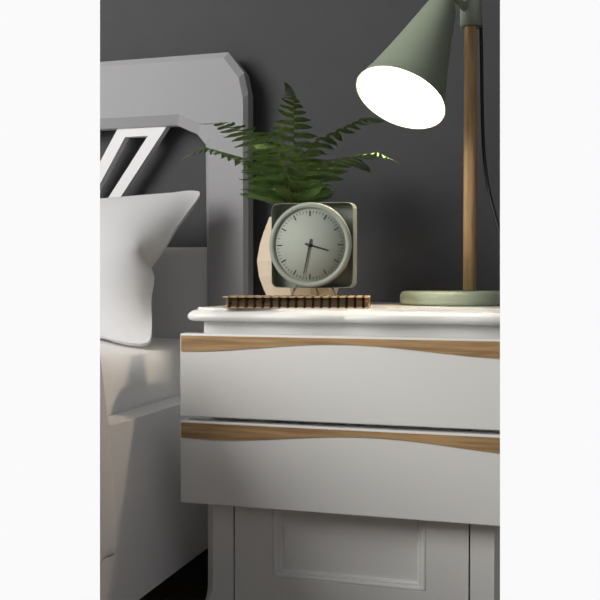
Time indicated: {"hour": 3, "minute": 32}
